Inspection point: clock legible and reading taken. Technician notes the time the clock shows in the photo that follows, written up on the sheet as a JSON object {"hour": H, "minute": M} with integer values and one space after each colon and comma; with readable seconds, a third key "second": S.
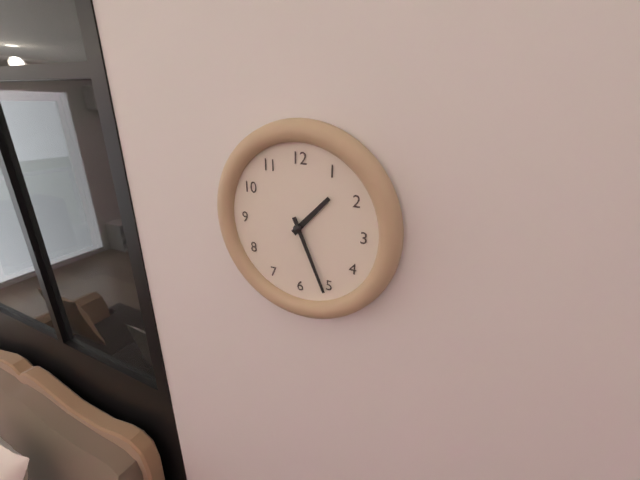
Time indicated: {"hour": 1, "minute": 26}
